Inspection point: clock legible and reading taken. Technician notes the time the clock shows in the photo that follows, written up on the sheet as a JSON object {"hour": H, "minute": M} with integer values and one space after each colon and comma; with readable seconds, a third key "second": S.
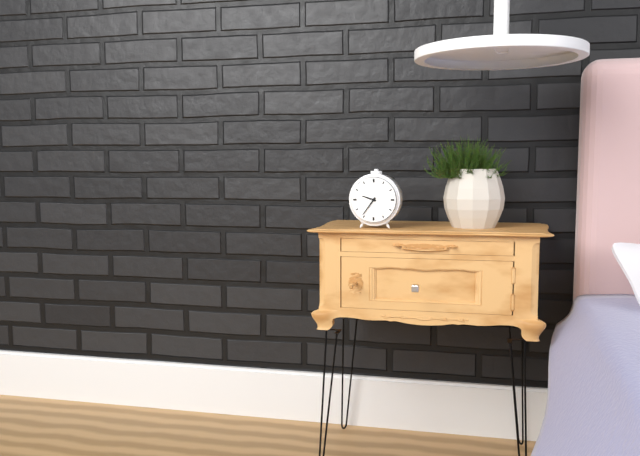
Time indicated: {"hour": 9, "minute": 36}
